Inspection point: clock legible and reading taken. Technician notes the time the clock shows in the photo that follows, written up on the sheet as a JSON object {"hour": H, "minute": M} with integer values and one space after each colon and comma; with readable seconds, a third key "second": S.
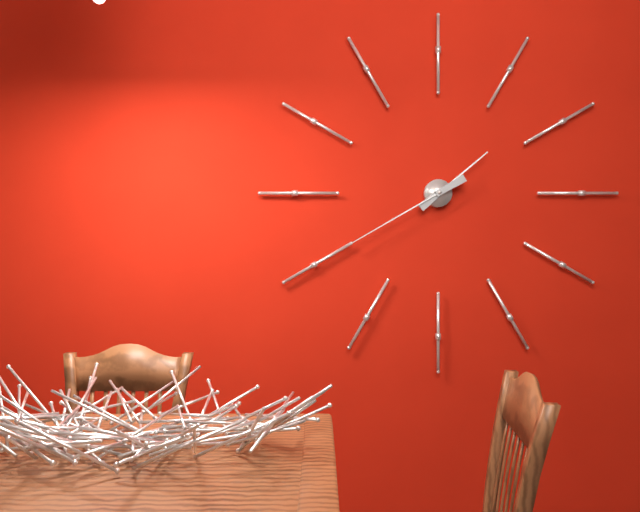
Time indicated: {"hour": 1, "minute": 40}
